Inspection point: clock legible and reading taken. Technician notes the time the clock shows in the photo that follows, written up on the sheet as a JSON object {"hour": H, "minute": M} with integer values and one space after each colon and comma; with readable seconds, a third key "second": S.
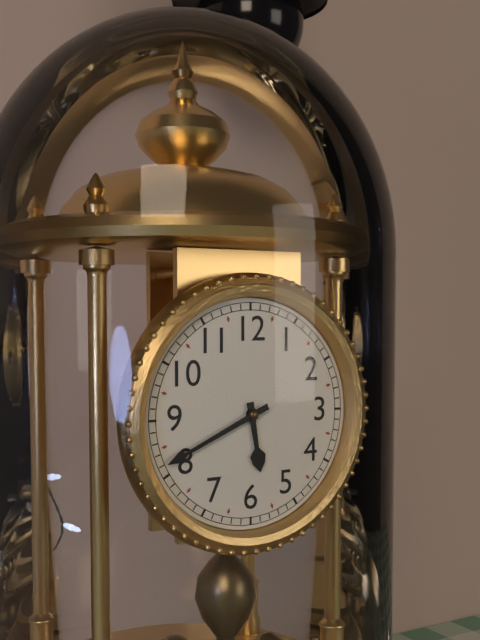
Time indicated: {"hour": 5, "minute": 41}
